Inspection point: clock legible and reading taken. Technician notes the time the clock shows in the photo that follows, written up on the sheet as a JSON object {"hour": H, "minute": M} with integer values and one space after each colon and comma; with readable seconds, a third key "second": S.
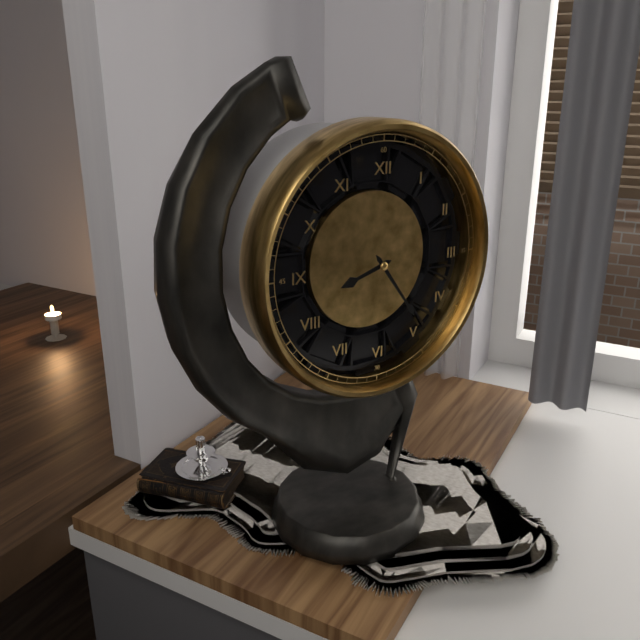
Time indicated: {"hour": 8, "minute": 24}
